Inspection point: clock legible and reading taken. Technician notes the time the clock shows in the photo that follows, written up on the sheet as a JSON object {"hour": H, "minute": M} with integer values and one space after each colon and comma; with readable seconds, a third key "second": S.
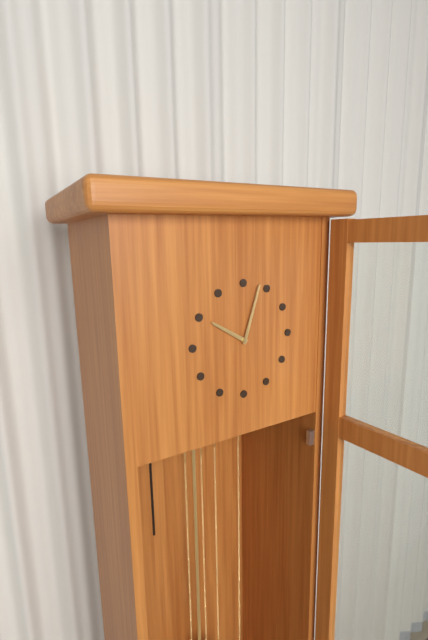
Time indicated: {"hour": 10, "minute": 3}
